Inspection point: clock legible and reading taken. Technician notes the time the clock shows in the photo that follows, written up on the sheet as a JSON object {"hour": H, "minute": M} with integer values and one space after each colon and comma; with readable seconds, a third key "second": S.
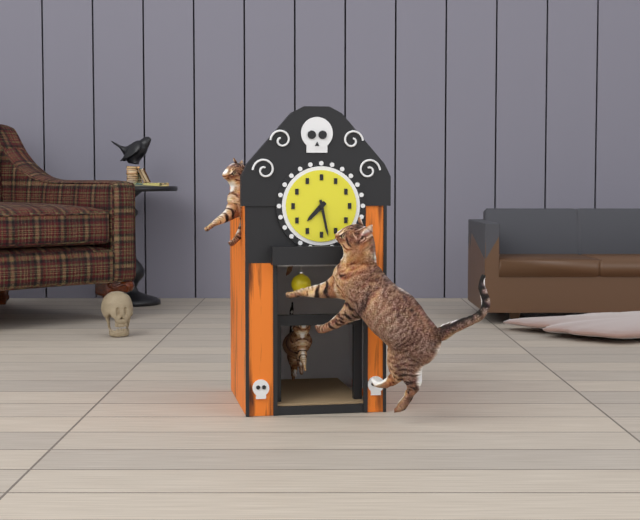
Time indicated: {"hour": 7, "minute": 28}
